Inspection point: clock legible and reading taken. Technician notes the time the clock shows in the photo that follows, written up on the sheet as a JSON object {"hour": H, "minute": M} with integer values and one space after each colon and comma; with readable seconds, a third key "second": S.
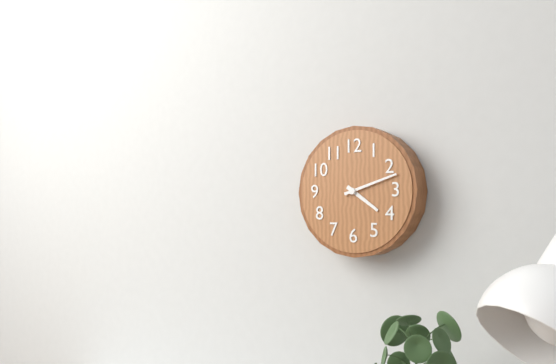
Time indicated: {"hour": 4, "minute": 12}
